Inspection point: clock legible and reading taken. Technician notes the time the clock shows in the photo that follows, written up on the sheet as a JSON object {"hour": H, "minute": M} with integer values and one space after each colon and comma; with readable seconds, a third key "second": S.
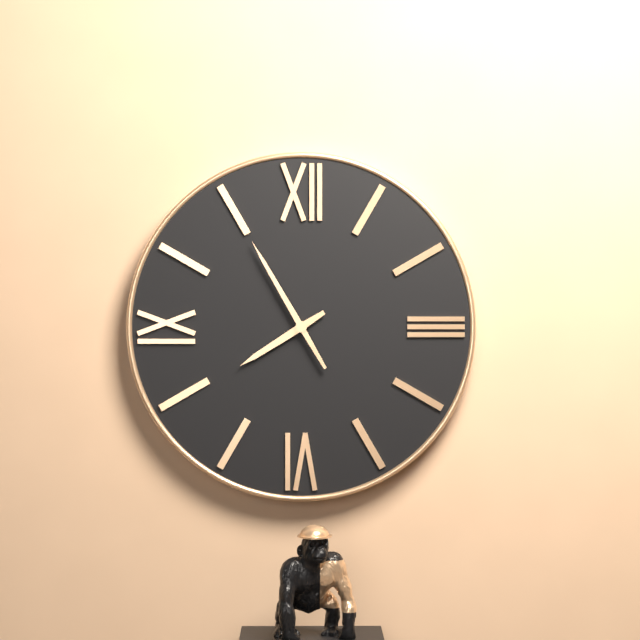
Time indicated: {"hour": 7, "minute": 55}
